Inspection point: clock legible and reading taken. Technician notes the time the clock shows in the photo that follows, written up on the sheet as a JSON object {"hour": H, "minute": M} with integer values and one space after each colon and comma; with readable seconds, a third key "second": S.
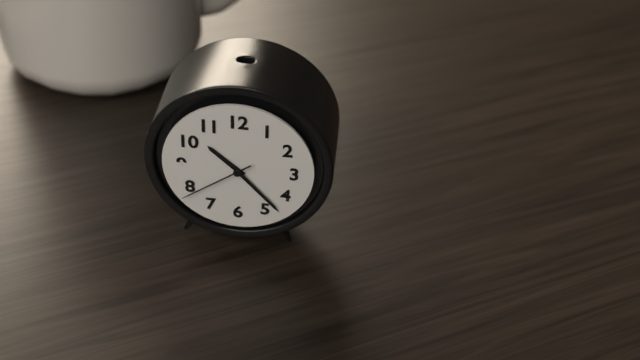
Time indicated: {"hour": 10, "minute": 23, "second": 39}
